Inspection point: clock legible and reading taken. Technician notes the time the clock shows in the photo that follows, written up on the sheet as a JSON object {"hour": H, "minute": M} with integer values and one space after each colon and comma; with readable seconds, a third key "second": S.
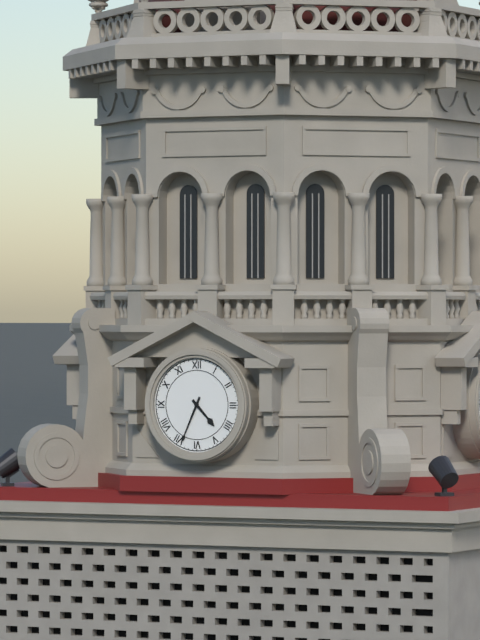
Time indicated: {"hour": 4, "minute": 34}
